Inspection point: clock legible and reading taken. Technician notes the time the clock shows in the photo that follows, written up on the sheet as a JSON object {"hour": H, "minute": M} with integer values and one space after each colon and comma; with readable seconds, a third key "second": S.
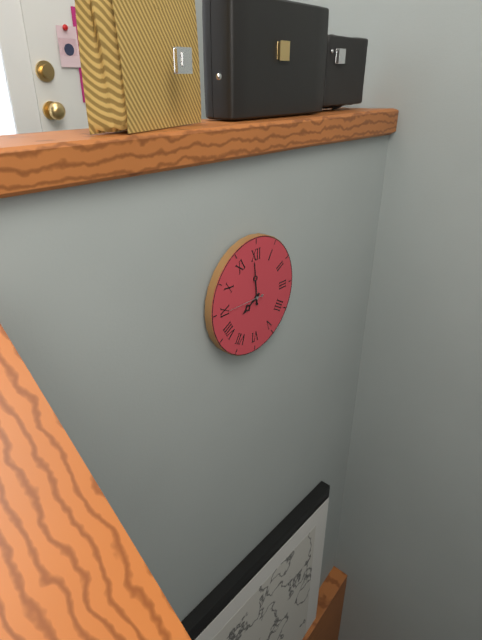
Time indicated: {"hour": 7, "minute": 59}
